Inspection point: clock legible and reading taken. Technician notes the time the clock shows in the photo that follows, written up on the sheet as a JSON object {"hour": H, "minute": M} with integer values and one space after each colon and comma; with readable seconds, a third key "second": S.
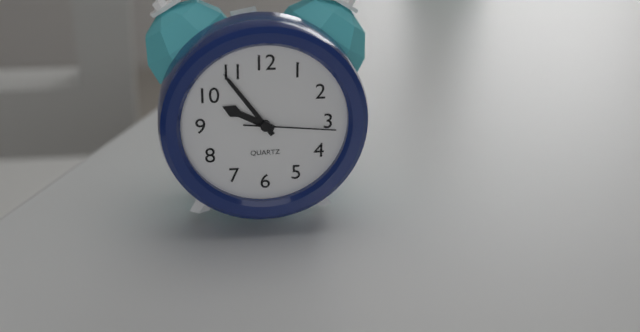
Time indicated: {"hour": 9, "minute": 54, "second": 16}
